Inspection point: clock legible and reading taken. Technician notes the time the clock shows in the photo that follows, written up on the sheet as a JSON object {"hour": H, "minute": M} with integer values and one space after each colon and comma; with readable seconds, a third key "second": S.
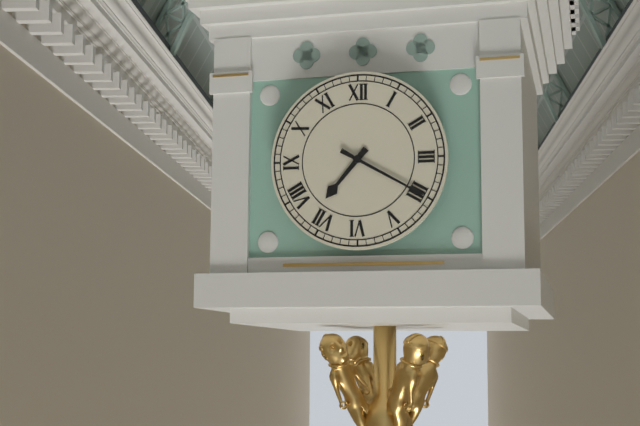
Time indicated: {"hour": 7, "minute": 20}
